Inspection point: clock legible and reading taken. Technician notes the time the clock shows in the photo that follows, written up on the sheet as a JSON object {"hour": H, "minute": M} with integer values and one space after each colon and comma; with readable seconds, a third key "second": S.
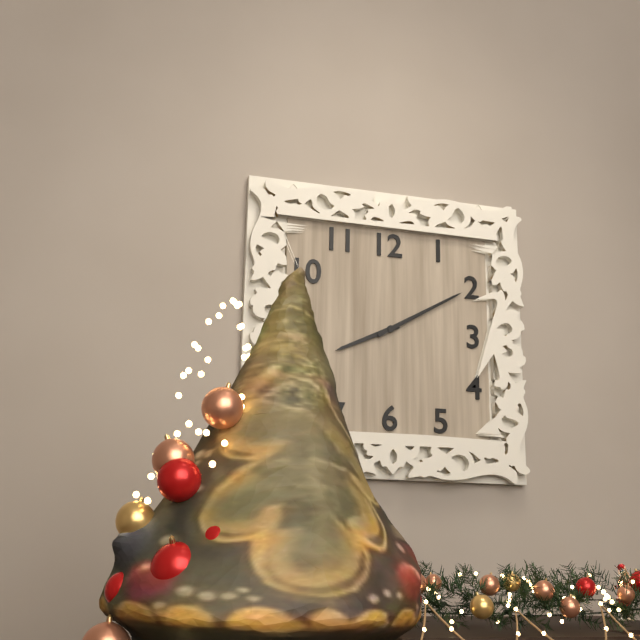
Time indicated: {"hour": 8, "minute": 10}
